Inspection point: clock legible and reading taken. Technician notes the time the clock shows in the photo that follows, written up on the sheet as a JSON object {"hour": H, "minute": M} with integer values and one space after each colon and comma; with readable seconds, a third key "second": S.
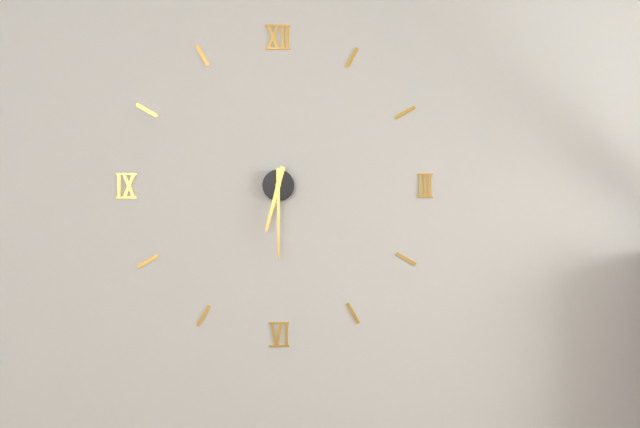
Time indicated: {"hour": 6, "minute": 30}
